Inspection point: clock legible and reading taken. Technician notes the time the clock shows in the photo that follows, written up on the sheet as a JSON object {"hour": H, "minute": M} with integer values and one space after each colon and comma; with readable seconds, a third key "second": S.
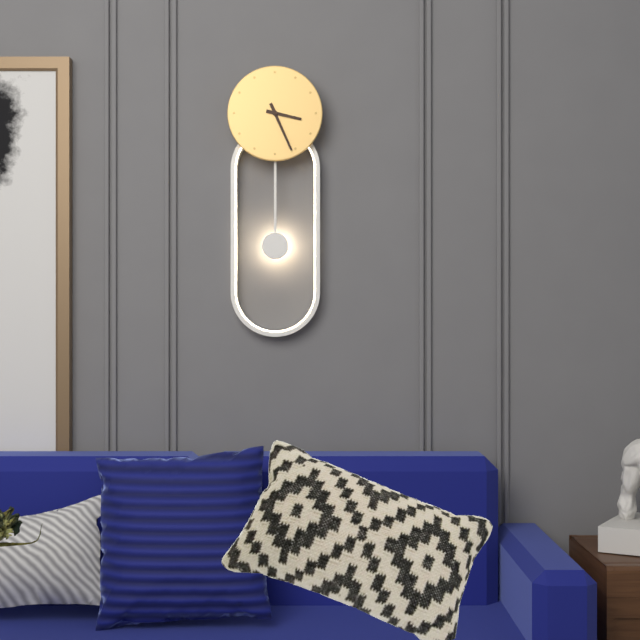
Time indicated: {"hour": 3, "minute": 26}
